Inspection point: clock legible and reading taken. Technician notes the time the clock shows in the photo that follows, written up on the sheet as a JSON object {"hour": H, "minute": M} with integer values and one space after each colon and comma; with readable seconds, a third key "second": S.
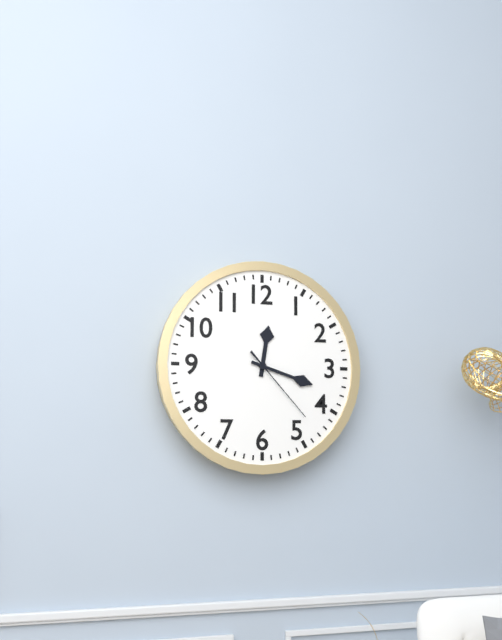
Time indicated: {"hour": 12, "minute": 18, "second": 23}
